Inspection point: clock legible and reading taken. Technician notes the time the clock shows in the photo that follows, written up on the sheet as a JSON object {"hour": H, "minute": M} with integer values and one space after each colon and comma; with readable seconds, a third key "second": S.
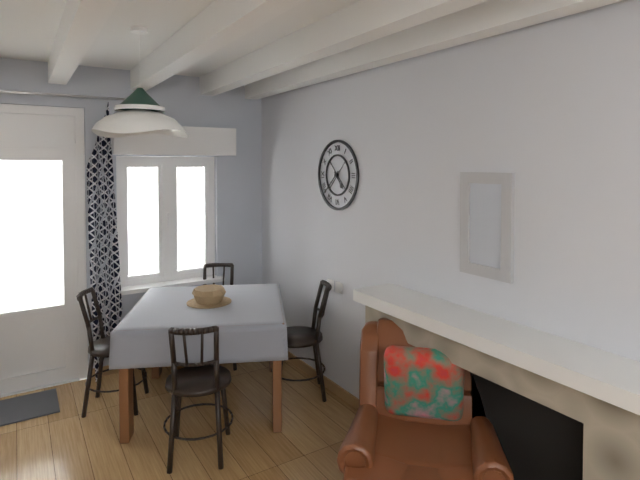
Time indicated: {"hour": 4, "minute": 38}
